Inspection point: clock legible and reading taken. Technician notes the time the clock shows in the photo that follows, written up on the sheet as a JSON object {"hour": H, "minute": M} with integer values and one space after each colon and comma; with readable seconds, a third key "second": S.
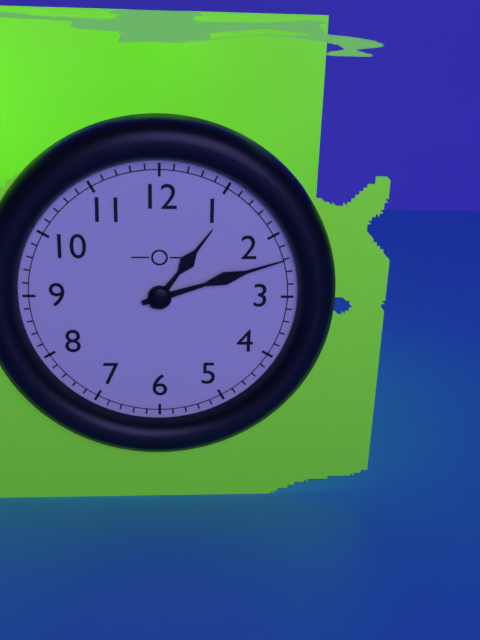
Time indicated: {"hour": 1, "minute": 12}
